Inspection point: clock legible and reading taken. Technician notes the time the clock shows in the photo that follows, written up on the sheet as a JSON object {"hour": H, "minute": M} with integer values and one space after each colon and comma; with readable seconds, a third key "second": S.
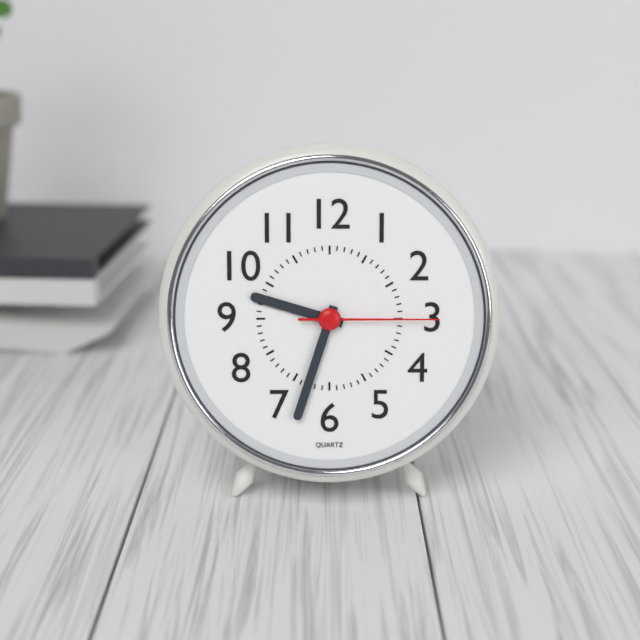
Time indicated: {"hour": 9, "minute": 33, "second": 15}
